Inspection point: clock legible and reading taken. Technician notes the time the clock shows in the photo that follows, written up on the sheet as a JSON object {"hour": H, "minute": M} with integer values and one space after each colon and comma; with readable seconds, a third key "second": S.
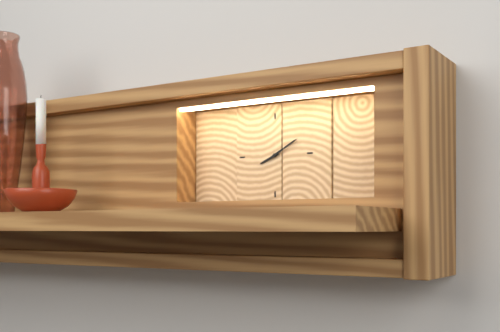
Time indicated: {"hour": 8, "minute": 10}
